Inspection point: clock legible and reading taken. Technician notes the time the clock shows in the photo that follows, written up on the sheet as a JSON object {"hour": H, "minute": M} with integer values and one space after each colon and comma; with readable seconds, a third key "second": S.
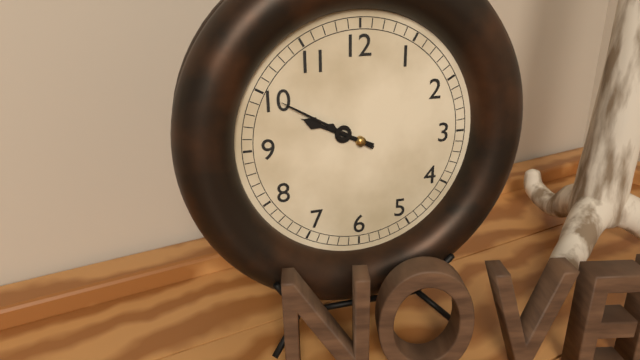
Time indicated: {"hour": 9, "minute": 50}
